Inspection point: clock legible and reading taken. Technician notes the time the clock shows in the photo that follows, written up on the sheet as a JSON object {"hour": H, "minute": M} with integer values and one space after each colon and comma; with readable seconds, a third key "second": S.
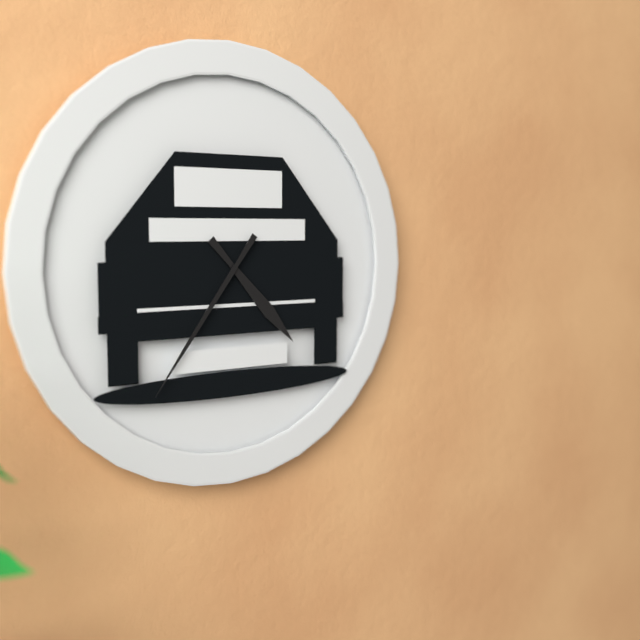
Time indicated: {"hour": 4, "minute": 36}
